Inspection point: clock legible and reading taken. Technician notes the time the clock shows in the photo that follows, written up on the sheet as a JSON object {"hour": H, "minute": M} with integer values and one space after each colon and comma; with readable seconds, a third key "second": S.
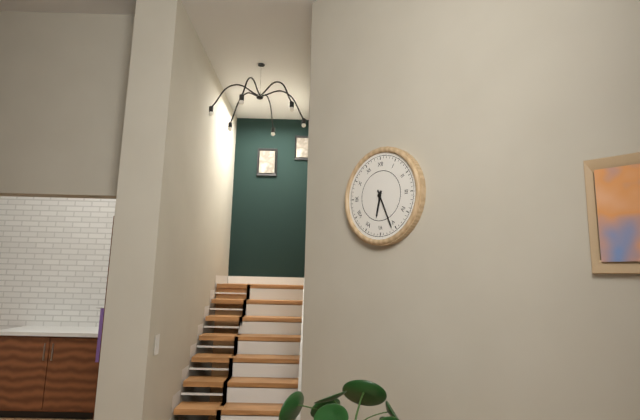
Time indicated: {"hour": 6, "minute": 26}
